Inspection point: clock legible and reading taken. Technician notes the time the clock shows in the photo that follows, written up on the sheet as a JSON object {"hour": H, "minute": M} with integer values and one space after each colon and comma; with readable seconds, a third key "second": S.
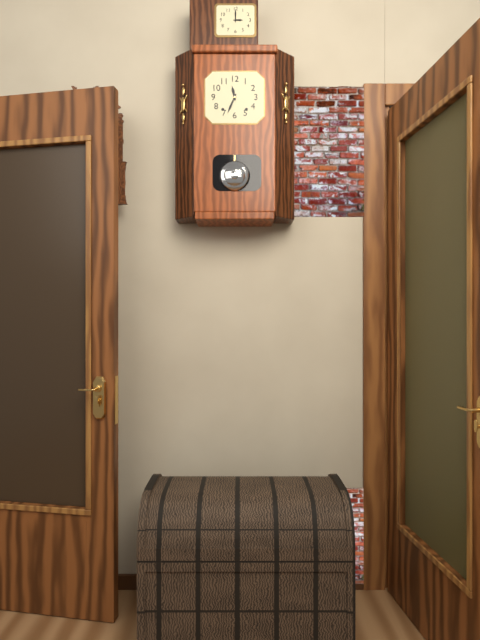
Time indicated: {"hour": 11, "minute": 34}
